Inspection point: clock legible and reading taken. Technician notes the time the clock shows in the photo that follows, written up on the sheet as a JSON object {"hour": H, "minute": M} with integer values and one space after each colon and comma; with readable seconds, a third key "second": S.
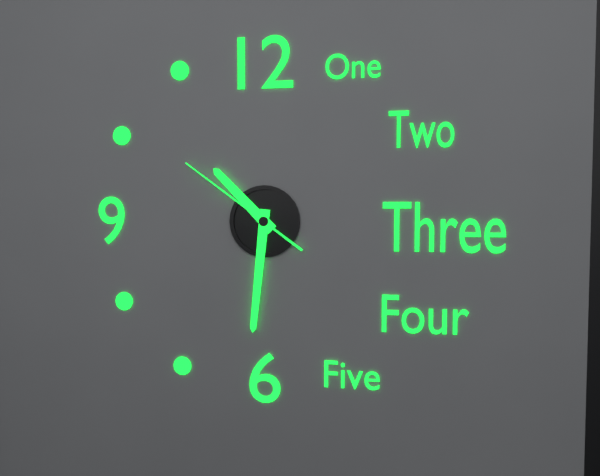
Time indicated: {"hour": 10, "minute": 31, "second": 51}
